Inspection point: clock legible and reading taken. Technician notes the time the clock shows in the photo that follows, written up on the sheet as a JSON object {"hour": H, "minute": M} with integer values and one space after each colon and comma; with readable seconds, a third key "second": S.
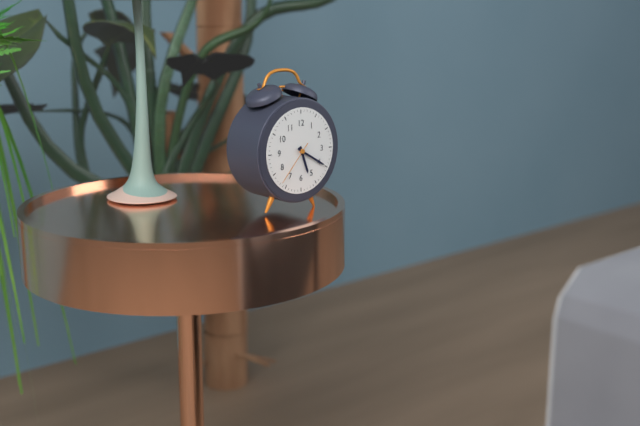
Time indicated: {"hour": 5, "minute": 20}
